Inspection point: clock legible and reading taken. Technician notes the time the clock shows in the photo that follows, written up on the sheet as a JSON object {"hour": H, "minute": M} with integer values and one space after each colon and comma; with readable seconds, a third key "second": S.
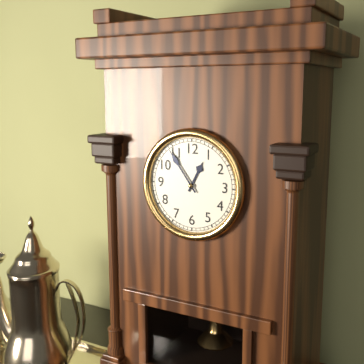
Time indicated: {"hour": 12, "minute": 54}
